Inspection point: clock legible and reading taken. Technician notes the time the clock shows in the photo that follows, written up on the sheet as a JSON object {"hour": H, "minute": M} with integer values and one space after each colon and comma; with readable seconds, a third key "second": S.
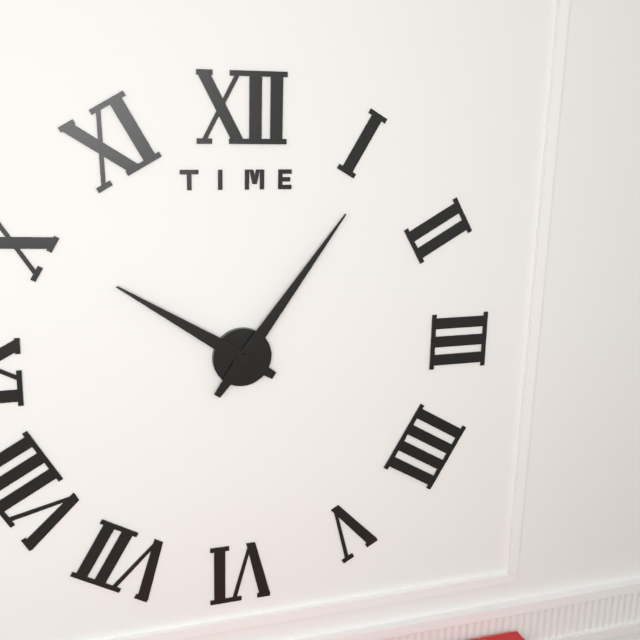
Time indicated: {"hour": 10, "minute": 6}
